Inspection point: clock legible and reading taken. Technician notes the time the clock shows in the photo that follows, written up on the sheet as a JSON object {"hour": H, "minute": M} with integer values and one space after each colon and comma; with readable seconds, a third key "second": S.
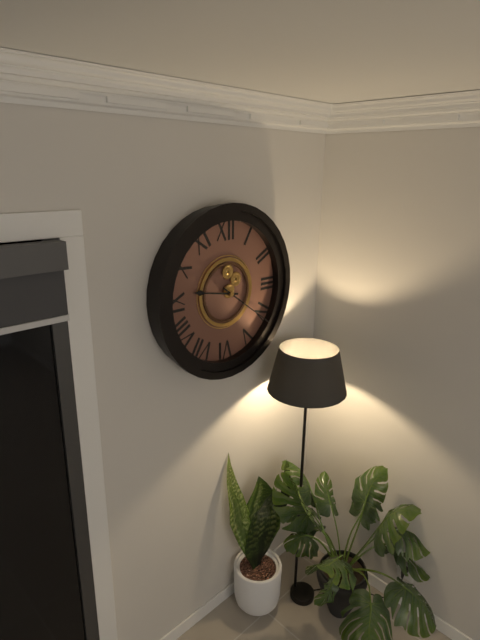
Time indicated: {"hour": 9, "minute": 21}
